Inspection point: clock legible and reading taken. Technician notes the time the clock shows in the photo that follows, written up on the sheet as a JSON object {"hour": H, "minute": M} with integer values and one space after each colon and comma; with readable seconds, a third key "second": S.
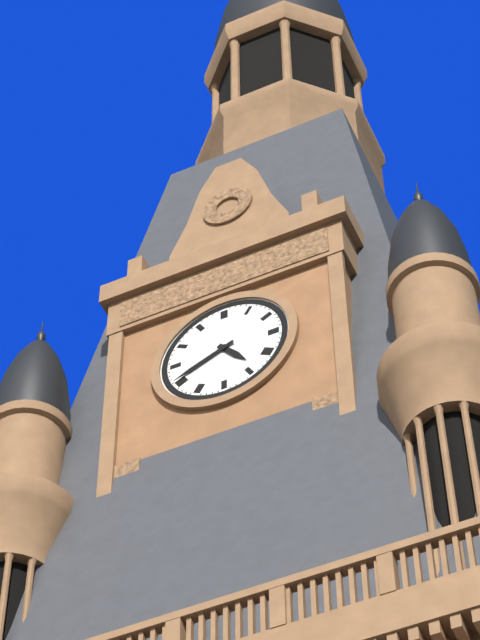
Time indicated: {"hour": 4, "minute": 41}
